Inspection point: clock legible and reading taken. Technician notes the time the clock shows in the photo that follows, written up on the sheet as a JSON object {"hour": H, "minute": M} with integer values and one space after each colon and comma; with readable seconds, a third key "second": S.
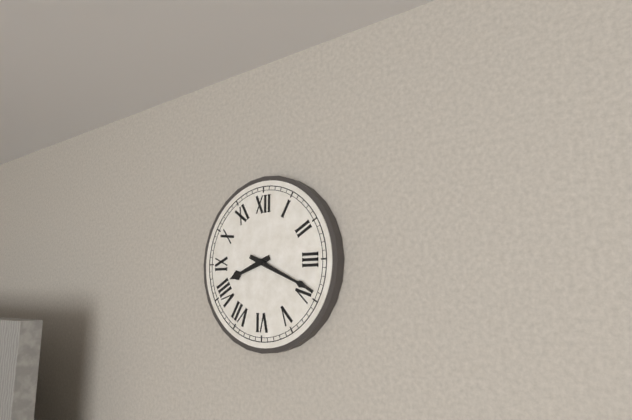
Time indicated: {"hour": 8, "minute": 19}
